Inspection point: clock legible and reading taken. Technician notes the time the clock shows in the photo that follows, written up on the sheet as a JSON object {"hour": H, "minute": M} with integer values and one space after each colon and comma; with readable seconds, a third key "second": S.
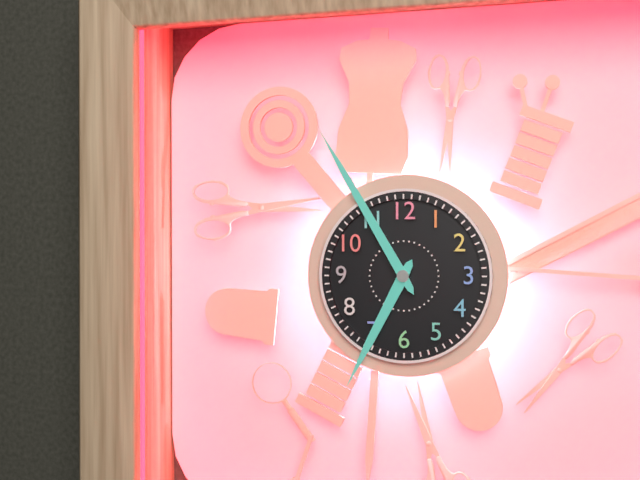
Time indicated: {"hour": 6, "minute": 55}
